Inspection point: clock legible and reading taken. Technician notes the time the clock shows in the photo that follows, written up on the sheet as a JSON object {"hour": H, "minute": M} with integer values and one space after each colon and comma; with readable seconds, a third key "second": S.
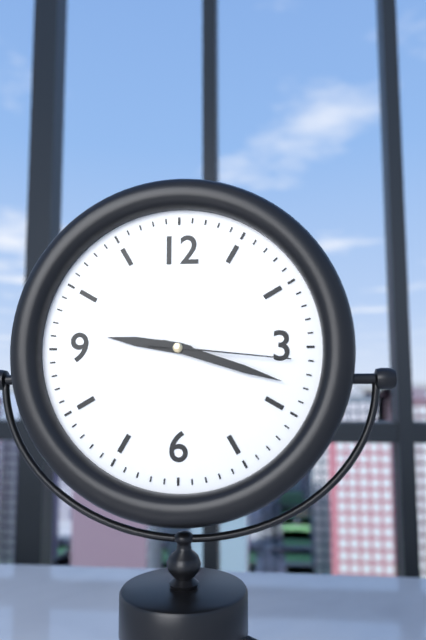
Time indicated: {"hour": 9, "minute": 18, "second": 16}
